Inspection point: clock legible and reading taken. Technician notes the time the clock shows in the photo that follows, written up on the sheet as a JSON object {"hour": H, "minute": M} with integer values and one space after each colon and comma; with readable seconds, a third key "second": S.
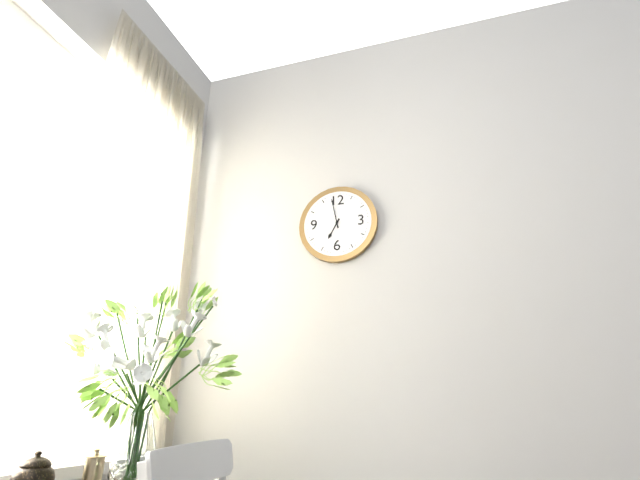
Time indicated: {"hour": 6, "minute": 58}
